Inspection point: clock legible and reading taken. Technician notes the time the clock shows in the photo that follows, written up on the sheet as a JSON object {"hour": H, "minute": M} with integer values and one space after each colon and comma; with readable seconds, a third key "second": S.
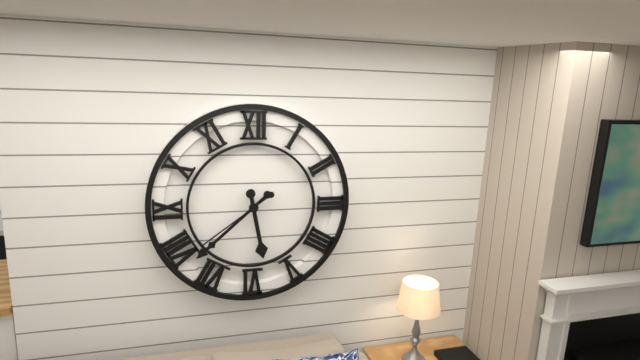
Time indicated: {"hour": 5, "minute": 38, "second": 39}
